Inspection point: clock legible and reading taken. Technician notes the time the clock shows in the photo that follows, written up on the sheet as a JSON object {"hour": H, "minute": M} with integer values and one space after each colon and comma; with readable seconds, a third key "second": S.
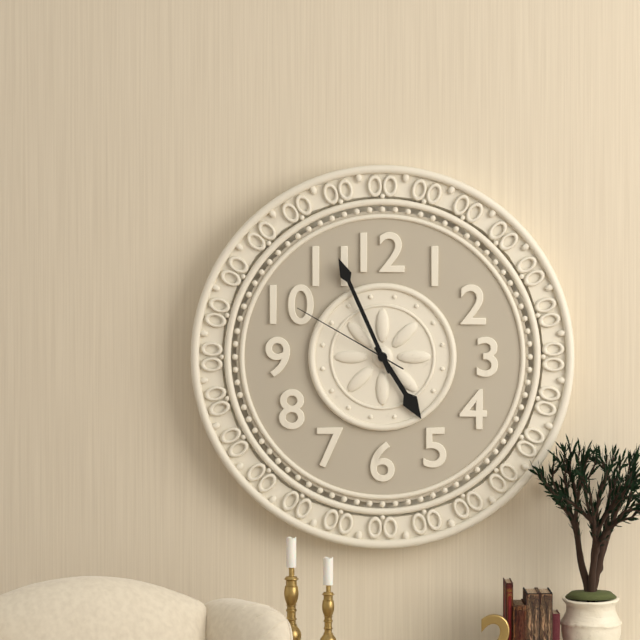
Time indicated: {"hour": 4, "minute": 56, "second": 50}
